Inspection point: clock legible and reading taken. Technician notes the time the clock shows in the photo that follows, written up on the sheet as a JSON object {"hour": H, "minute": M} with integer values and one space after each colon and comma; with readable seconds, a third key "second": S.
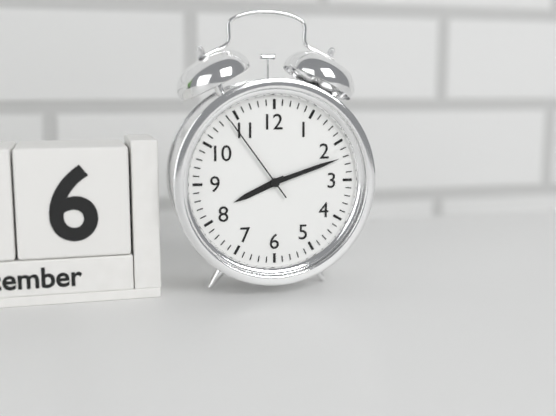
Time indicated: {"hour": 8, "minute": 12, "second": 54}
